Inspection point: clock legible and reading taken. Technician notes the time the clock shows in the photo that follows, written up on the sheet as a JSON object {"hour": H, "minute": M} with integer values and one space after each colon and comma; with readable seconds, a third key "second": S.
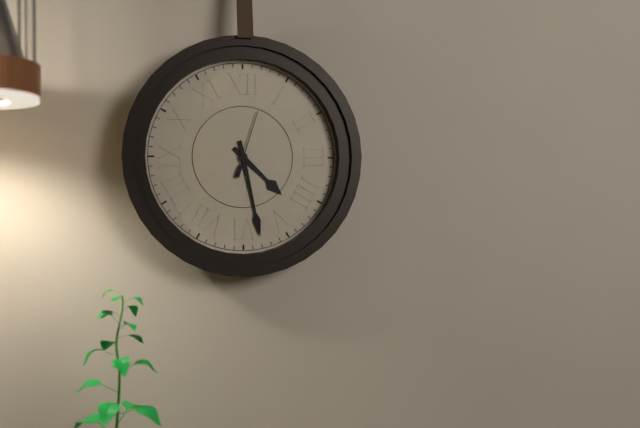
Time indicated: {"hour": 4, "minute": 28, "second": 3}
